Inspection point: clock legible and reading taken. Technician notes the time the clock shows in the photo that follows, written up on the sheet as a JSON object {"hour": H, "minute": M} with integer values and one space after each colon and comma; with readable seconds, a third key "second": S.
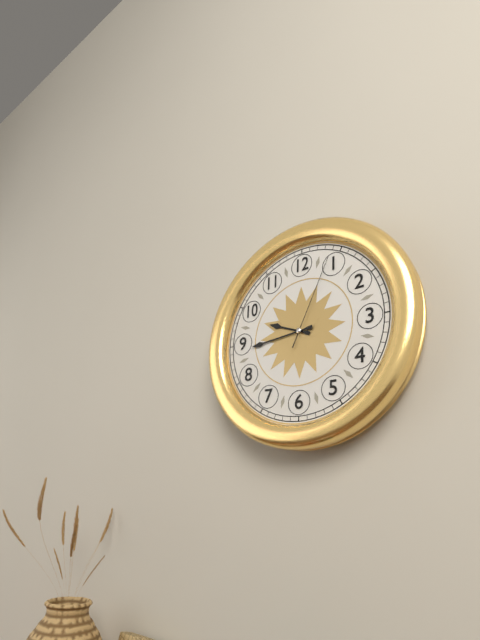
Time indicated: {"hour": 9, "minute": 44, "second": 4}
